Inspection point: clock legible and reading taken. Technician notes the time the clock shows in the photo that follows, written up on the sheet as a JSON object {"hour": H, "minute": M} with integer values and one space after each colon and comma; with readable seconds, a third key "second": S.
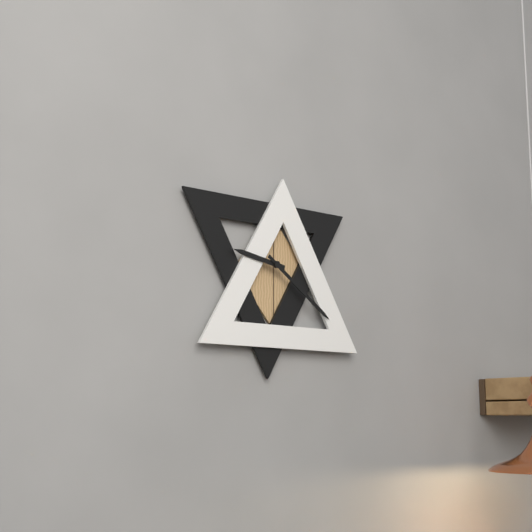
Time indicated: {"hour": 9, "minute": 21}
